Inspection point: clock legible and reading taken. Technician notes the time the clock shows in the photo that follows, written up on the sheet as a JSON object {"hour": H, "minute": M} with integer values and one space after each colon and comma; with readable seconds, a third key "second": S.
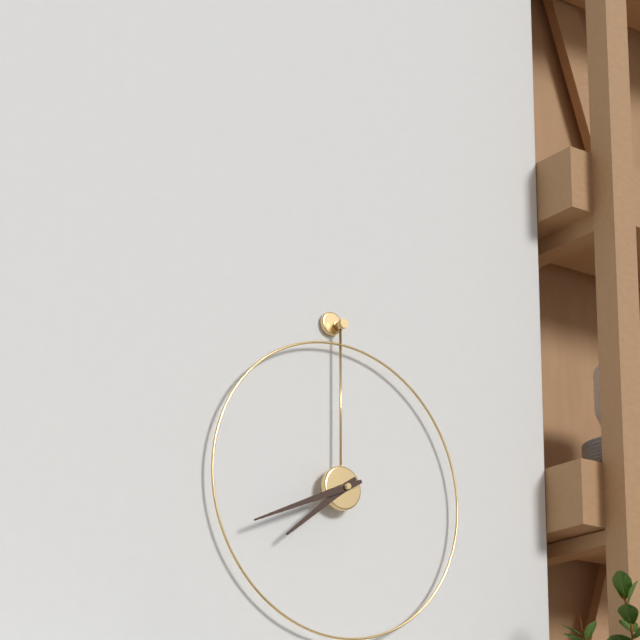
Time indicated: {"hour": 7, "minute": 41}
